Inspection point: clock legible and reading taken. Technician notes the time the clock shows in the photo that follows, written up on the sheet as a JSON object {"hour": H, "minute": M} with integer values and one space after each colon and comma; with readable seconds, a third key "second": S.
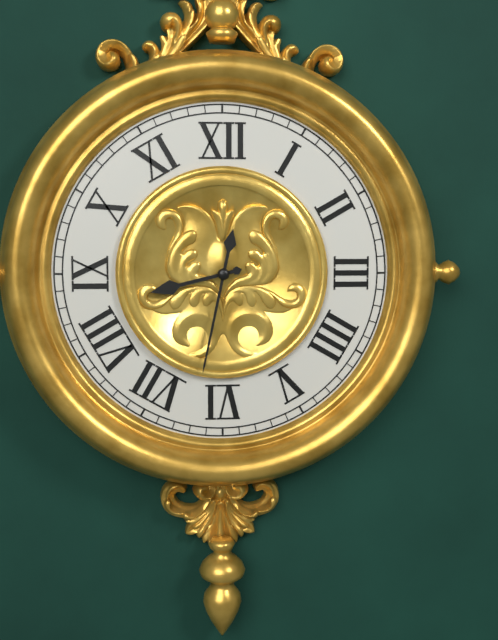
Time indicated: {"hour": 8, "minute": 32}
